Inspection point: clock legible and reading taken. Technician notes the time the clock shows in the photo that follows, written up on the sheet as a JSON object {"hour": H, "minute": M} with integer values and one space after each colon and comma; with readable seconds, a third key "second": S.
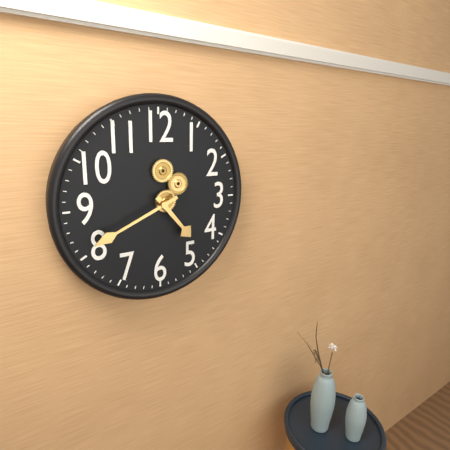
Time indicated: {"hour": 4, "minute": 41}
